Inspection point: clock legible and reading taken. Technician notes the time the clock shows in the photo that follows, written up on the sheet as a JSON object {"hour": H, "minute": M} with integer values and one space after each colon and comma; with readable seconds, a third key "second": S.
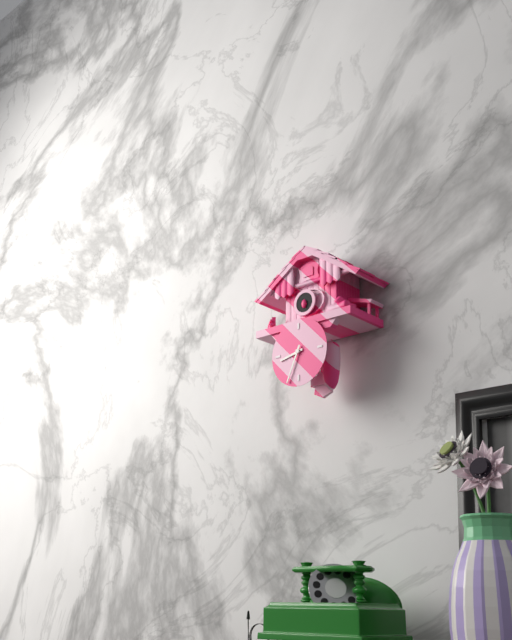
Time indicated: {"hour": 8, "minute": 34}
